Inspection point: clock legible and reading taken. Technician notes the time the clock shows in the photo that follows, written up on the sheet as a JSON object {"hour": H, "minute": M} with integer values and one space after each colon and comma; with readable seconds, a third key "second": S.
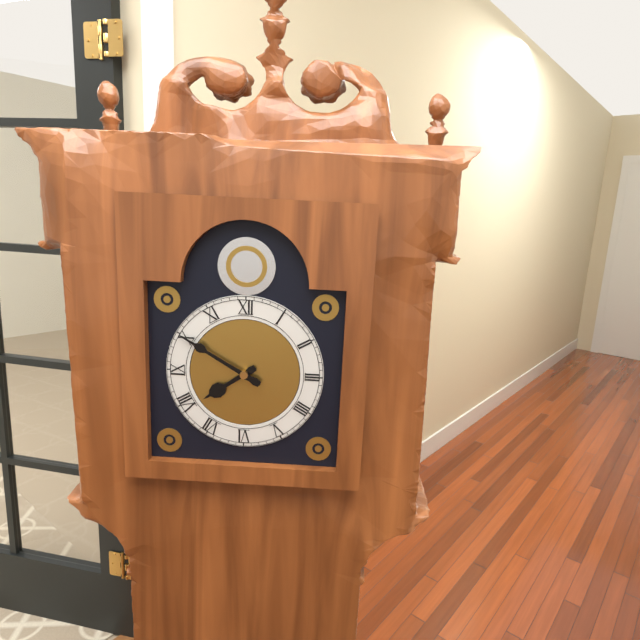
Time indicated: {"hour": 7, "minute": 50}
